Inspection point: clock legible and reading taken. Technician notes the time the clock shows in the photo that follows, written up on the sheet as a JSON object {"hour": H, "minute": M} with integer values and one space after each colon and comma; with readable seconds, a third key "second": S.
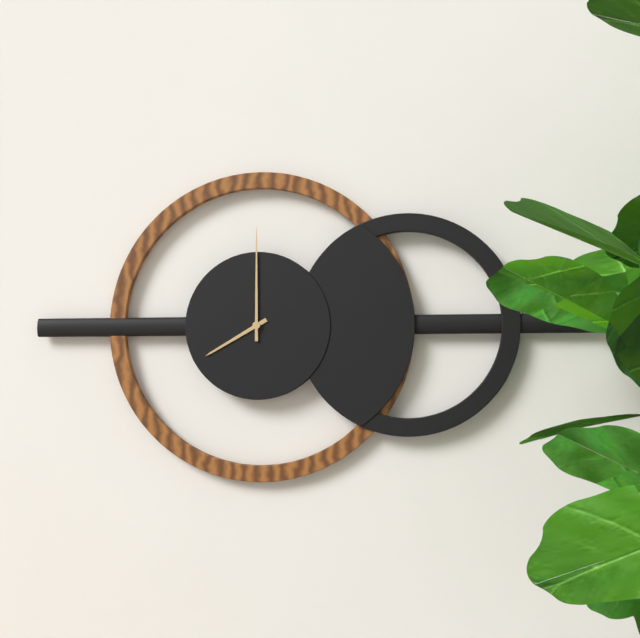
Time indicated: {"hour": 8, "minute": 0}
